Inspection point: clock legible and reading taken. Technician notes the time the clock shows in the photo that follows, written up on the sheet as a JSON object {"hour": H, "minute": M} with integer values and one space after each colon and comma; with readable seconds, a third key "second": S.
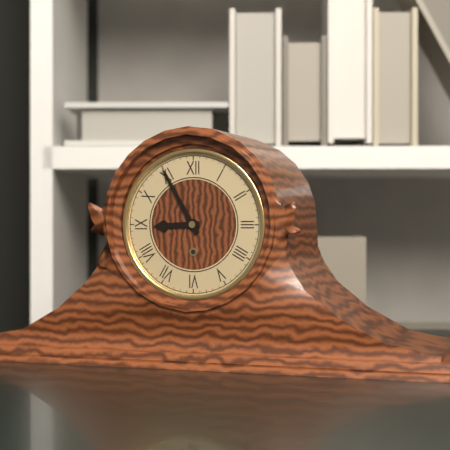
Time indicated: {"hour": 8, "minute": 55}
